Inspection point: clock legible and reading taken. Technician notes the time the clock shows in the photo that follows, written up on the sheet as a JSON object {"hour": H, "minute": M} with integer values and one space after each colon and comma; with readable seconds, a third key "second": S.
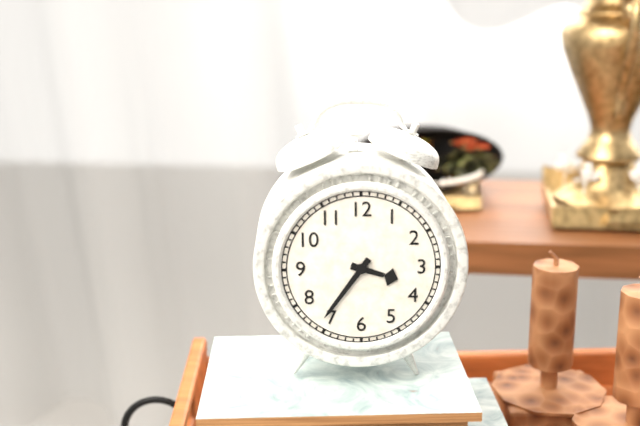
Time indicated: {"hour": 3, "minute": 36}
